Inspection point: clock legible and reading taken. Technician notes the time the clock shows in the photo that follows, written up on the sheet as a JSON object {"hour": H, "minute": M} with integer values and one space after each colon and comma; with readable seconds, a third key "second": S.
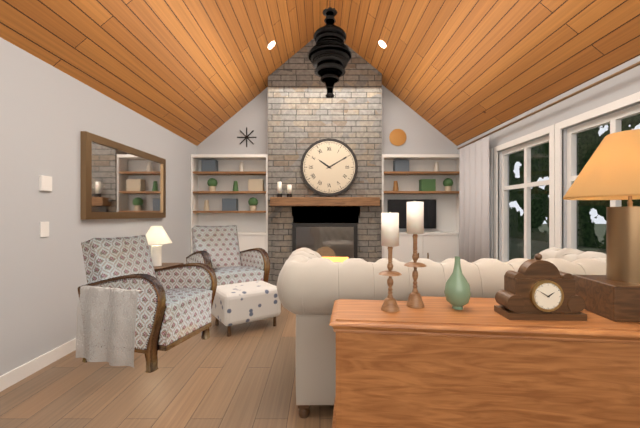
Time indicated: {"hour": 10, "minute": 10}
